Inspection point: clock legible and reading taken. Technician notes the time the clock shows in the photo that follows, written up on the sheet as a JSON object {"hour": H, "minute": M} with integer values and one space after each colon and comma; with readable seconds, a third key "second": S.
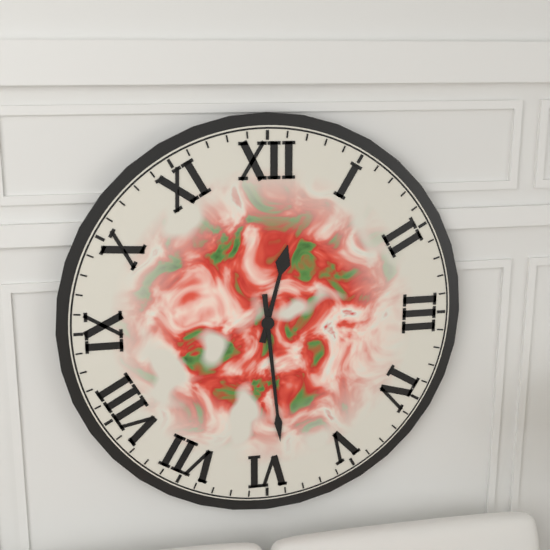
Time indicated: {"hour": 12, "minute": 29}
